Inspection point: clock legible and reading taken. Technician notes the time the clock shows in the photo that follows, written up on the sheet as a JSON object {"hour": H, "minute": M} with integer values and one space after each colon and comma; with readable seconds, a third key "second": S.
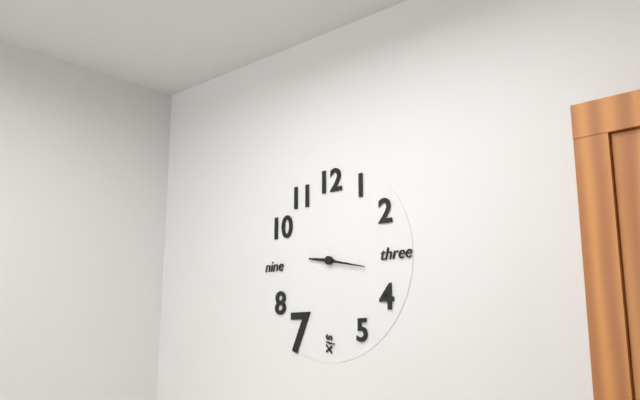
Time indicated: {"hour": 9, "minute": 17}
